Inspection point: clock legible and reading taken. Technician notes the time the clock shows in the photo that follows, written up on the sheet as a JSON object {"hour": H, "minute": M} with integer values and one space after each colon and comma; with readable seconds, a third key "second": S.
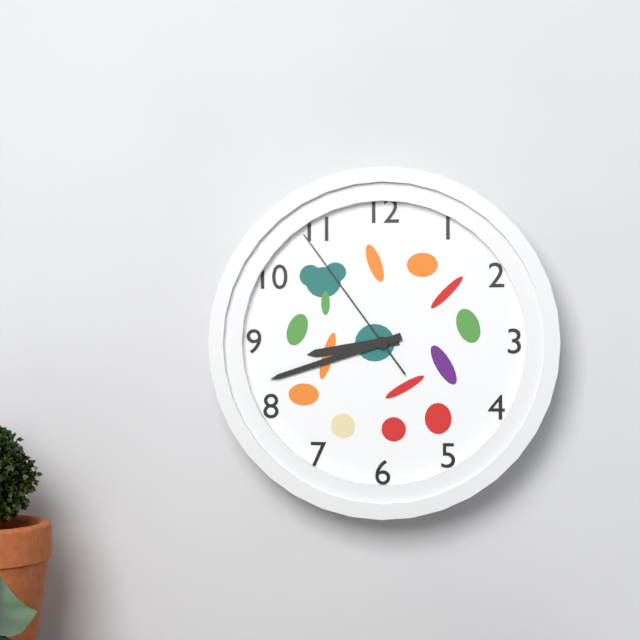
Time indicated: {"hour": 8, "minute": 42, "second": 54}
